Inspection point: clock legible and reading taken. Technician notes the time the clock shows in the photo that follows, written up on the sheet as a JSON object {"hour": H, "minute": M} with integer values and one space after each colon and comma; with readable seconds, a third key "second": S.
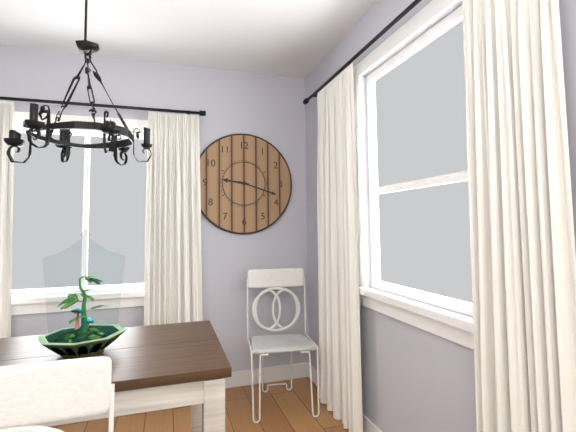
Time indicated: {"hour": 9, "minute": 18}
